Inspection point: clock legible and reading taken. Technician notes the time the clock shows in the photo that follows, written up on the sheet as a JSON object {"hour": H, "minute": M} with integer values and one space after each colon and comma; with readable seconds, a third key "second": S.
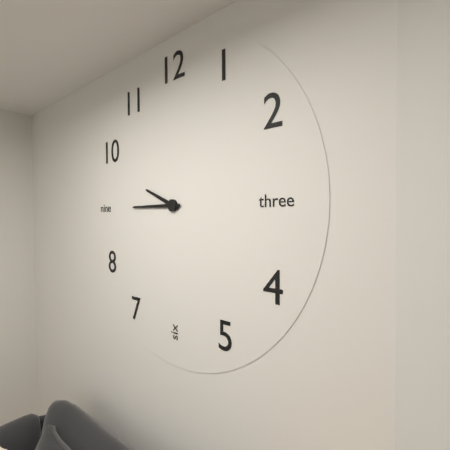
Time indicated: {"hour": 9, "minute": 45}
